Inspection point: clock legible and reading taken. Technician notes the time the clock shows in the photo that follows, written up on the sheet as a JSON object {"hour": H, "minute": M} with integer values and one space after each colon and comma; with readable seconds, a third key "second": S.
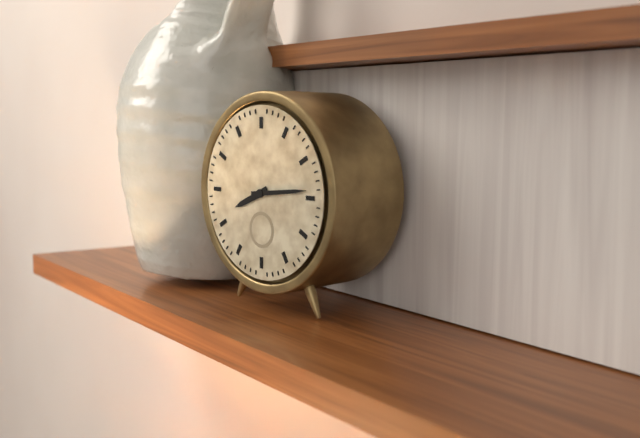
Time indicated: {"hour": 8, "minute": 14}
